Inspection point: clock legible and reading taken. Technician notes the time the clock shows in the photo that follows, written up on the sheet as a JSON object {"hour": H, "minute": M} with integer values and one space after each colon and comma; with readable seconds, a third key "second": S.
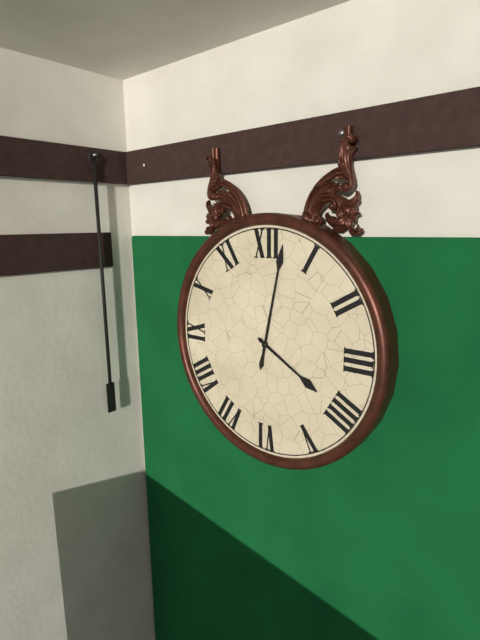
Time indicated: {"hour": 4, "minute": 2}
